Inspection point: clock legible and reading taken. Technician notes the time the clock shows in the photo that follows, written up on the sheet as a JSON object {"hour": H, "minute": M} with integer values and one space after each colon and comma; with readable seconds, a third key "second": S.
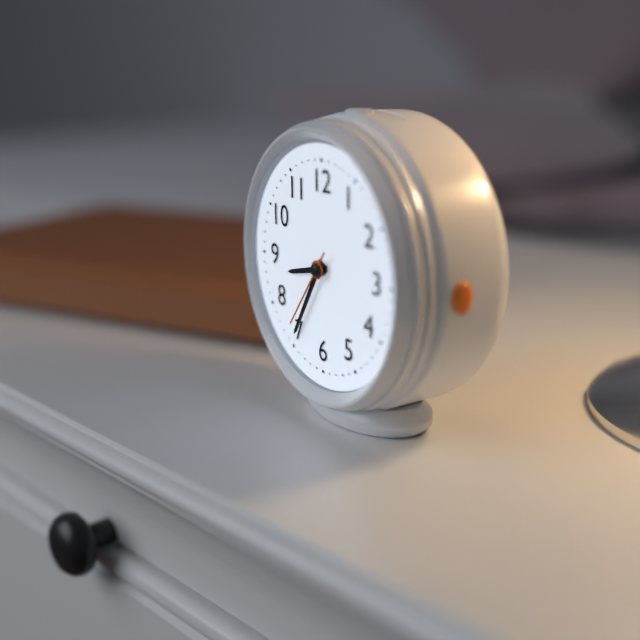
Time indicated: {"hour": 8, "minute": 35, "second": 36}
